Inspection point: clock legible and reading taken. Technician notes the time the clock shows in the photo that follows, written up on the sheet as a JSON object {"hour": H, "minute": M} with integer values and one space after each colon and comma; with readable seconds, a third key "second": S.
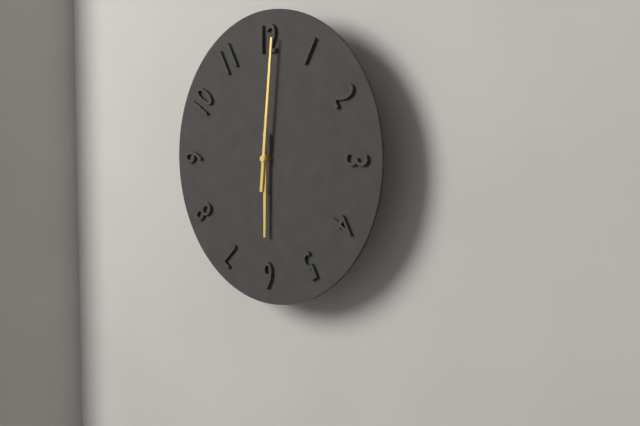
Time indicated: {"hour": 6, "minute": 1}
